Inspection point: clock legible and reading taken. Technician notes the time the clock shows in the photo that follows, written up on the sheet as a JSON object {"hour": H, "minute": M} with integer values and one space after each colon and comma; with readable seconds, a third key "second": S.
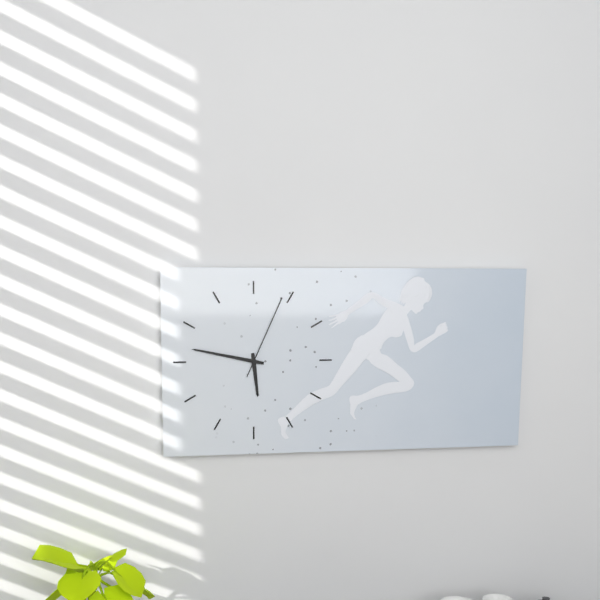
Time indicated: {"hour": 5, "minute": 47, "second": 4}
